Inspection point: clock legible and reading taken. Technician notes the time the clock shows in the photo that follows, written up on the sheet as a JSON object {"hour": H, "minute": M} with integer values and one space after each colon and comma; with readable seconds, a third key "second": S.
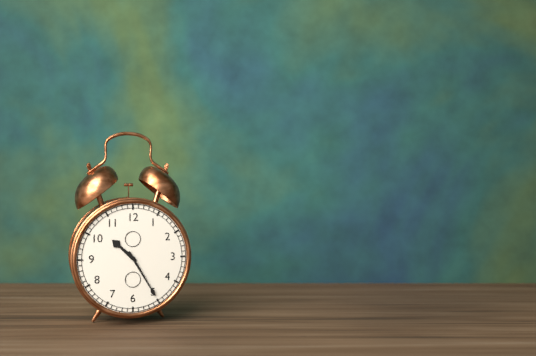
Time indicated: {"hour": 10, "minute": 25}
